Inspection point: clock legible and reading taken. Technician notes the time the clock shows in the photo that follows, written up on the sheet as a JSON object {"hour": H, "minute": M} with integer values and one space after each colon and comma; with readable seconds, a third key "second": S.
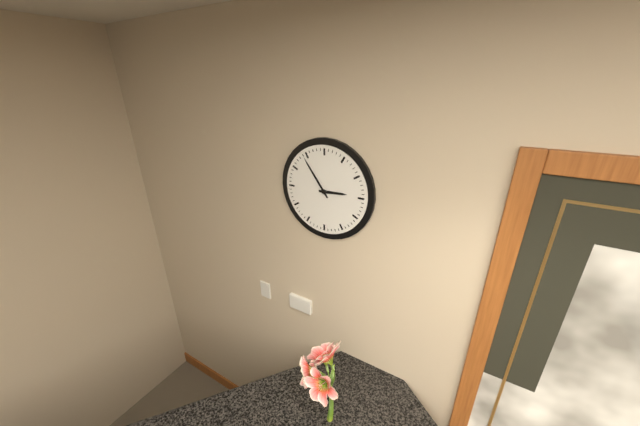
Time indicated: {"hour": 2, "minute": 54}
